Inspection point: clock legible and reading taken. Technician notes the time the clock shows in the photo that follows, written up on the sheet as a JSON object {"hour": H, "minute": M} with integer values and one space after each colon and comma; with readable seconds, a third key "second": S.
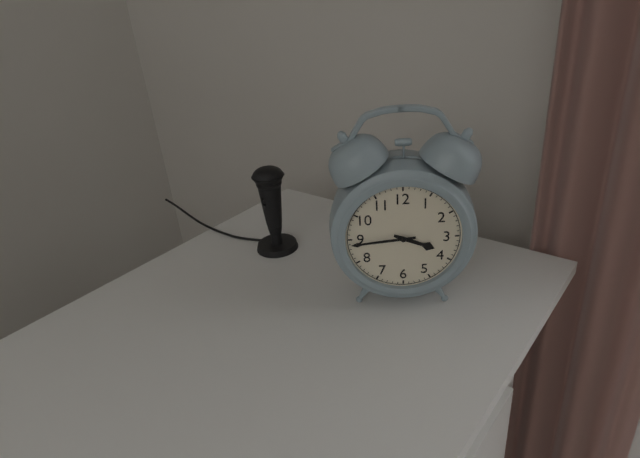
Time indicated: {"hour": 3, "minute": 44}
